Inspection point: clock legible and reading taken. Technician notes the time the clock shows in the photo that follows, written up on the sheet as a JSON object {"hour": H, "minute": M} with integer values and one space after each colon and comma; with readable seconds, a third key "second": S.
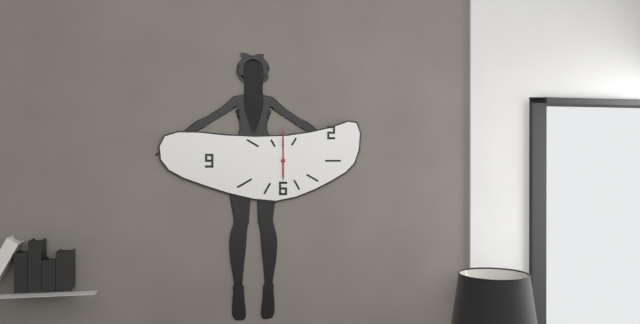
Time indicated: {"hour": 6, "minute": 0}
